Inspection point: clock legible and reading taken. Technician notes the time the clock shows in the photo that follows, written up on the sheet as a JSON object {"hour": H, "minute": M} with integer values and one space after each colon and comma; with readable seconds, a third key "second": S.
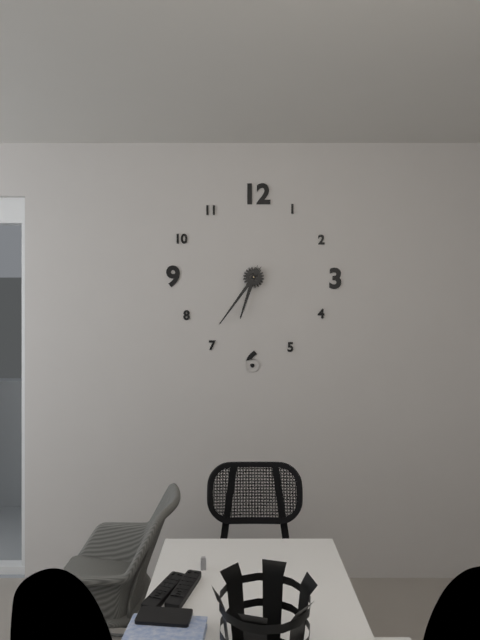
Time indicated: {"hour": 6, "minute": 36}
